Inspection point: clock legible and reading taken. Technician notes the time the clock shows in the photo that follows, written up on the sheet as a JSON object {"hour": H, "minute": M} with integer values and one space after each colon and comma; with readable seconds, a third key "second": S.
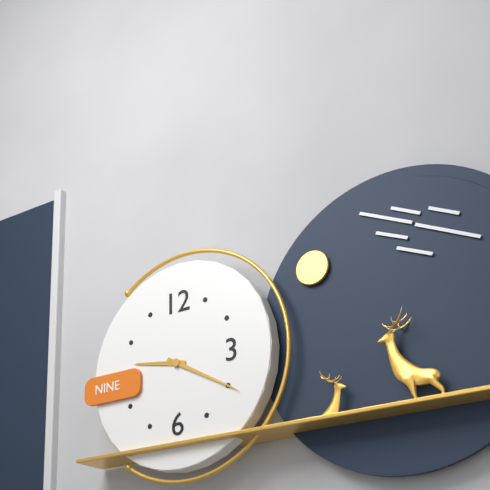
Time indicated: {"hour": 9, "minute": 20}
